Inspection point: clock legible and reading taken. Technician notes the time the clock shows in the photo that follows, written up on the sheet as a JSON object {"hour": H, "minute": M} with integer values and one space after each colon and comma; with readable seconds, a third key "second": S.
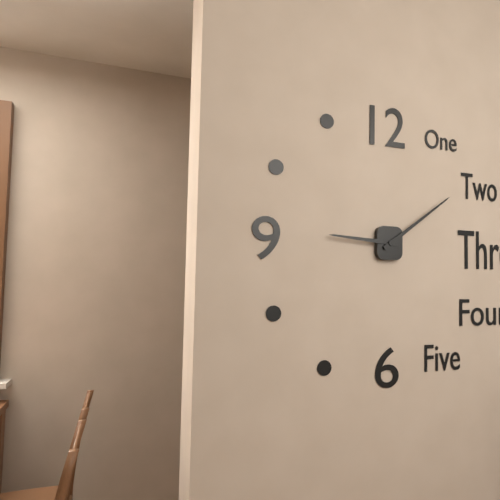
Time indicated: {"hour": 9, "minute": 9}
